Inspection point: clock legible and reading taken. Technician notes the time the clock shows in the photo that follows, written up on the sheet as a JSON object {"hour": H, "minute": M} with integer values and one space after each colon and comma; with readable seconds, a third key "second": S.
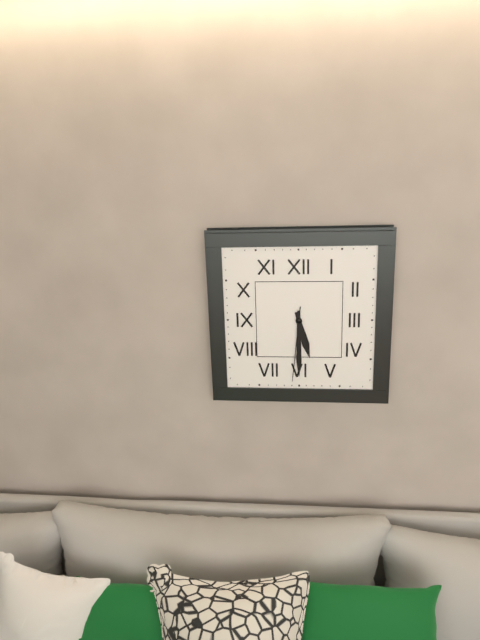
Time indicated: {"hour": 5, "minute": 30, "second": 31}
